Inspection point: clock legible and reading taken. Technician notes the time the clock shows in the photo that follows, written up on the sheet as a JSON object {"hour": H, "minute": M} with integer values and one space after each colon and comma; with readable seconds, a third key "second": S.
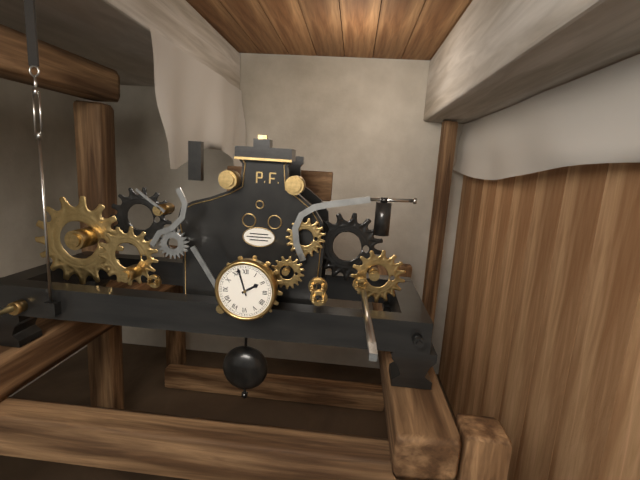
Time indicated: {"hour": 1, "minute": 57}
